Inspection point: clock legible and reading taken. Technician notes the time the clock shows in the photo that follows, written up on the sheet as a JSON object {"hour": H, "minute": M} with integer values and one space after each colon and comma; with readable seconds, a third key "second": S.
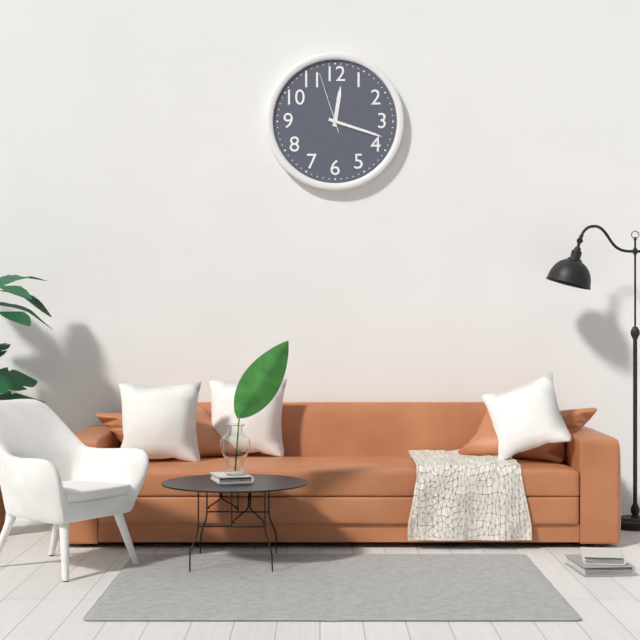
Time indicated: {"hour": 12, "minute": 18, "second": 57}
